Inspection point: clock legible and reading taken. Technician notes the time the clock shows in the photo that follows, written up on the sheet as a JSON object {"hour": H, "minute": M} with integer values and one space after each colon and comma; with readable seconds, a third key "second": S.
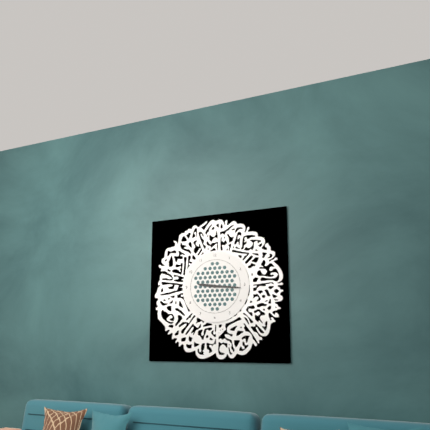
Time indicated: {"hour": 9, "minute": 16}
